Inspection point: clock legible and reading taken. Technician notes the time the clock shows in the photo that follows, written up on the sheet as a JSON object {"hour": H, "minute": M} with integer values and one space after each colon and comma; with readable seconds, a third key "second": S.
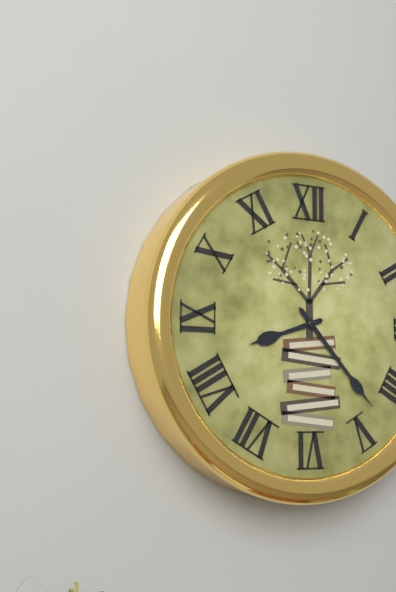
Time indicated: {"hour": 8, "minute": 23}
